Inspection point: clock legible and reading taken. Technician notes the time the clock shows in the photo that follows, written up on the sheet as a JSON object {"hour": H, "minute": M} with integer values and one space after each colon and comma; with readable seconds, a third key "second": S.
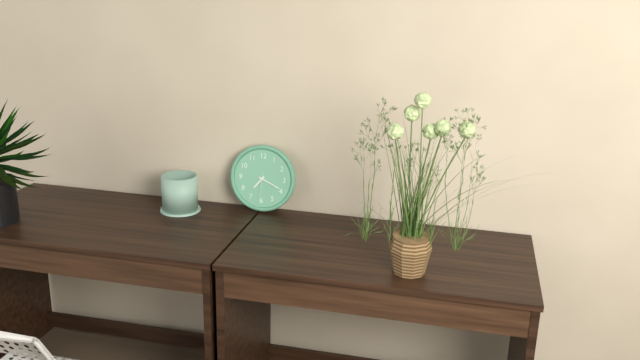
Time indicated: {"hour": 7, "minute": 19}
